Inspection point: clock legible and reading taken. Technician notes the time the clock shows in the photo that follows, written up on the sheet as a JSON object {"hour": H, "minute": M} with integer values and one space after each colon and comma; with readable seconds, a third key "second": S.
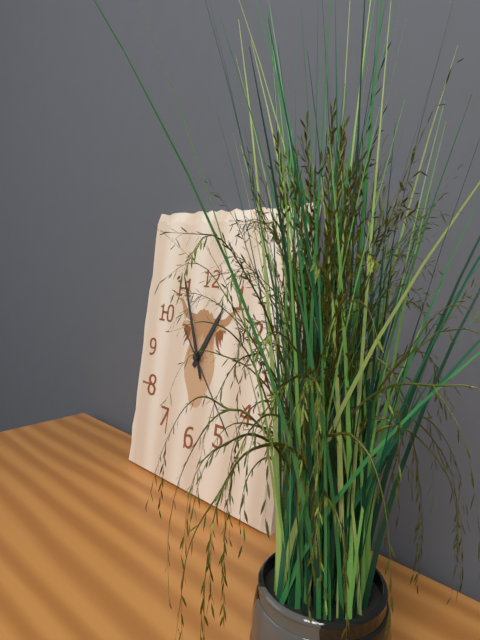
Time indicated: {"hour": 12, "minute": 56, "second": 23}
